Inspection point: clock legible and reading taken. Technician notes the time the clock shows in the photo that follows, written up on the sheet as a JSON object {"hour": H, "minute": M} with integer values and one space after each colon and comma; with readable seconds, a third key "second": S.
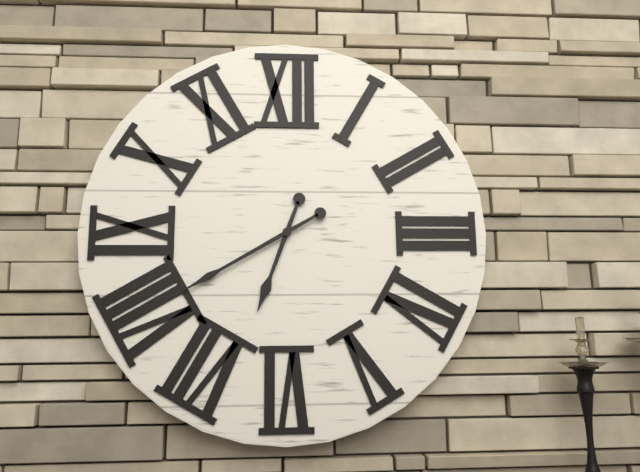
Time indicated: {"hour": 6, "minute": 40}
